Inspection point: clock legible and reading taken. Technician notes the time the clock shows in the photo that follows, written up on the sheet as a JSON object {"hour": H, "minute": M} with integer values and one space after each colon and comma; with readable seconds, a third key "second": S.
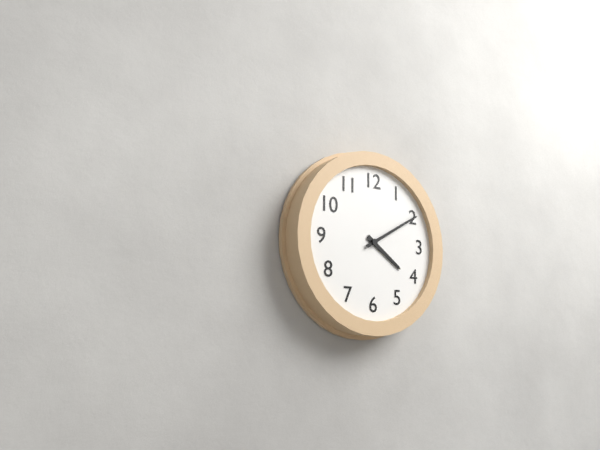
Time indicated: {"hour": 4, "minute": 10}
